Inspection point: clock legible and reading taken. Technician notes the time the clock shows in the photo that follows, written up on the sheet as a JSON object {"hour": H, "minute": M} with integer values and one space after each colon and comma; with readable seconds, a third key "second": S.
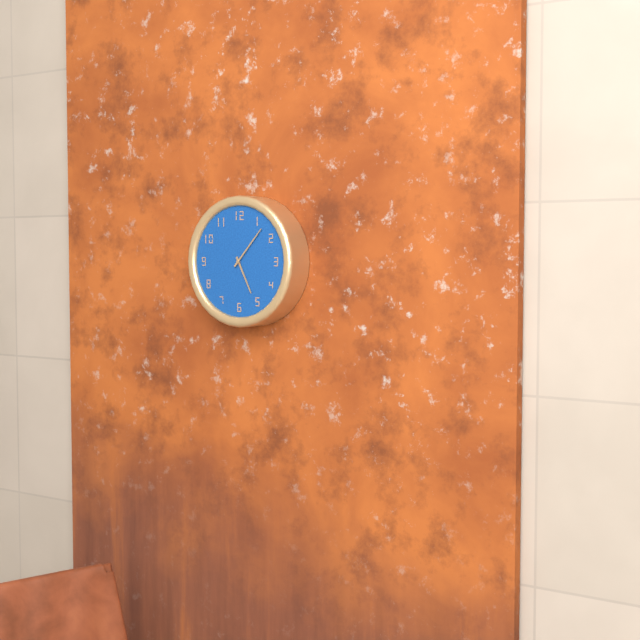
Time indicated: {"hour": 5, "minute": 7}
